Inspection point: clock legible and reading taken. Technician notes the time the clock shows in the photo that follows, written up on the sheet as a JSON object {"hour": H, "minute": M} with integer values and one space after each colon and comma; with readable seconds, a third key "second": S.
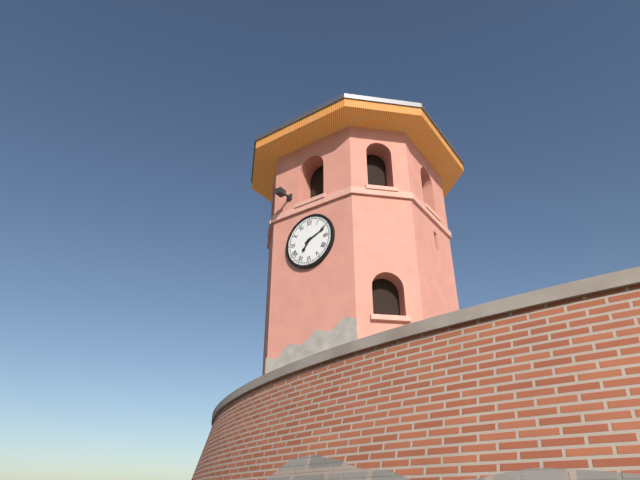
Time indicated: {"hour": 7, "minute": 11}
